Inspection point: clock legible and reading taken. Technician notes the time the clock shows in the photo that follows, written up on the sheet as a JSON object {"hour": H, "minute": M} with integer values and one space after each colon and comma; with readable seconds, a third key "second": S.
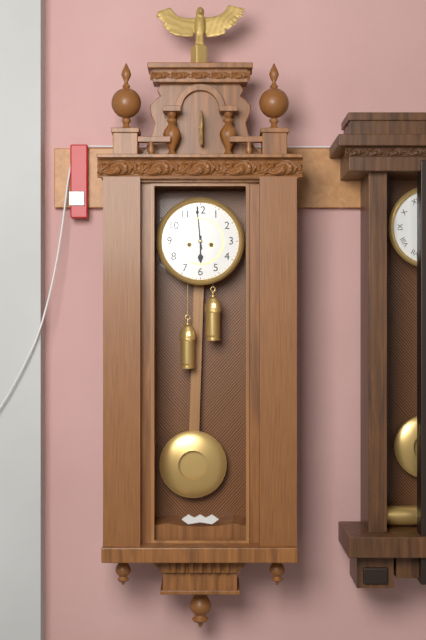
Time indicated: {"hour": 5, "minute": 59}
